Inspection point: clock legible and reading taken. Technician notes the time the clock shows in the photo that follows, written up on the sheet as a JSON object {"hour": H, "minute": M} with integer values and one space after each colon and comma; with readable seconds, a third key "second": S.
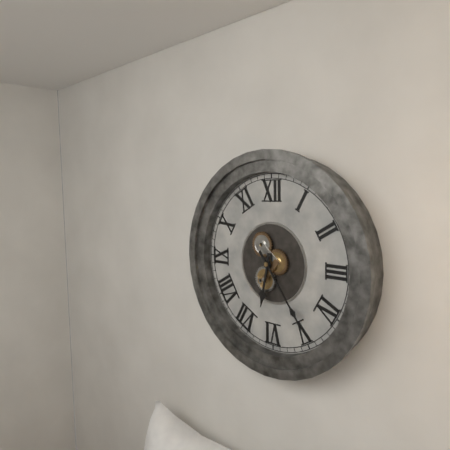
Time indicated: {"hour": 6, "minute": 24}
